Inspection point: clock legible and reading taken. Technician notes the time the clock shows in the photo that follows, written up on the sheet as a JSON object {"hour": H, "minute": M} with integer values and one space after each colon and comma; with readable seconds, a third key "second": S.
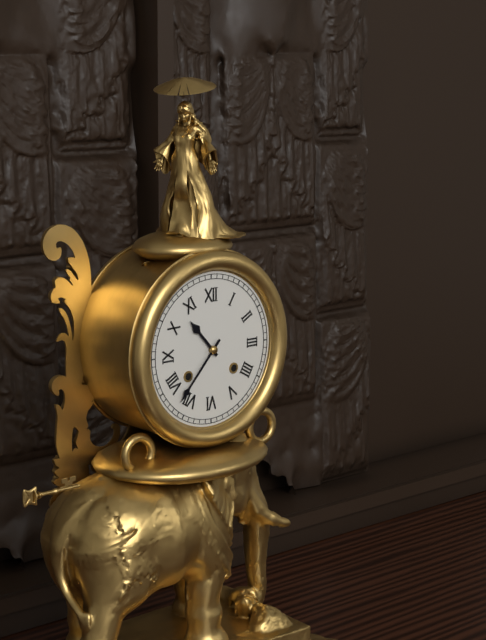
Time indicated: {"hour": 10, "minute": 37}
